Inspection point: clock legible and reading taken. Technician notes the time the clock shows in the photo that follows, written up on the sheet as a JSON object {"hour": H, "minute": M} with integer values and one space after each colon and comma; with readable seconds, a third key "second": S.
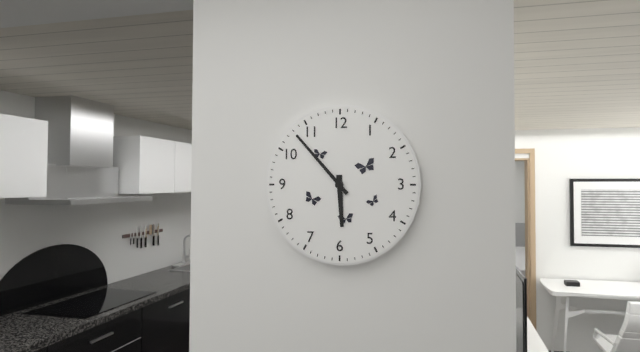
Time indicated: {"hour": 5, "minute": 53}
